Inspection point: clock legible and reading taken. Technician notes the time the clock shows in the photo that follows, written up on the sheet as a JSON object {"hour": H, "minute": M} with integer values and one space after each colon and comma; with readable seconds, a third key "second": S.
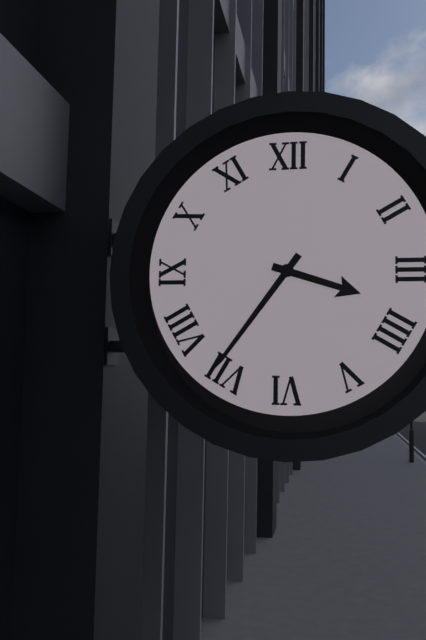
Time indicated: {"hour": 3, "minute": 36}
